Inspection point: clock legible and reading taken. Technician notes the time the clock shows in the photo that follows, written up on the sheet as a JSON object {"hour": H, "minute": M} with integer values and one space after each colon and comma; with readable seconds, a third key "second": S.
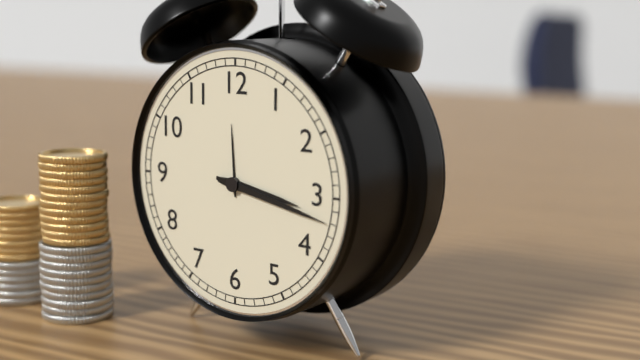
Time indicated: {"hour": 3, "minute": 17}
